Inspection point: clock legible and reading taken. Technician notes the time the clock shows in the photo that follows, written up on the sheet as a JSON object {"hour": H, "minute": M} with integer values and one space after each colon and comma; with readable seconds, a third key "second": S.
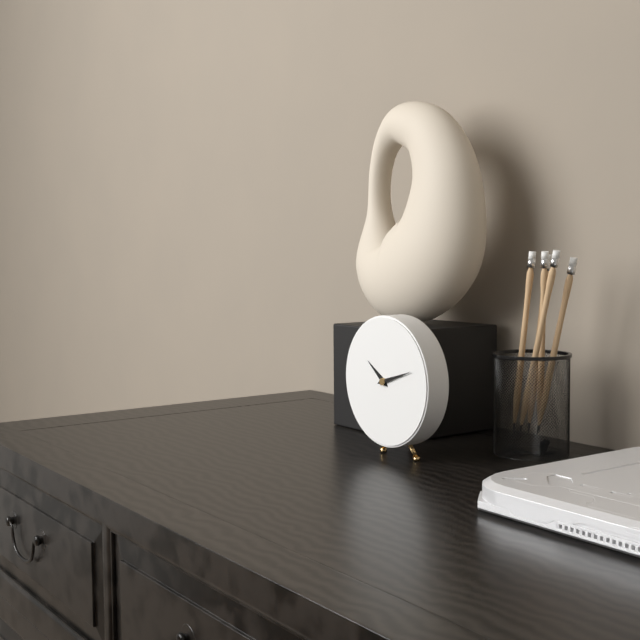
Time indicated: {"hour": 10, "minute": 12}
